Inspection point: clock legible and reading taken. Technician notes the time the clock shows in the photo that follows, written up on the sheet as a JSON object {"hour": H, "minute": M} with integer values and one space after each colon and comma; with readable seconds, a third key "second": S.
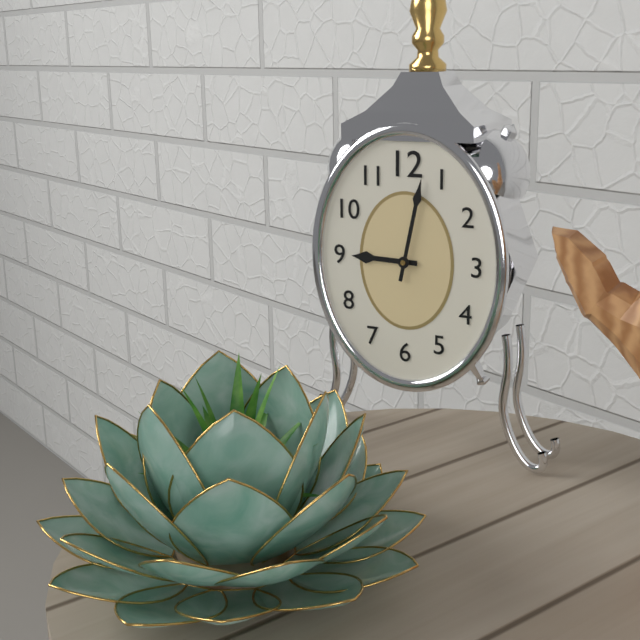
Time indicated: {"hour": 9, "minute": 2}
